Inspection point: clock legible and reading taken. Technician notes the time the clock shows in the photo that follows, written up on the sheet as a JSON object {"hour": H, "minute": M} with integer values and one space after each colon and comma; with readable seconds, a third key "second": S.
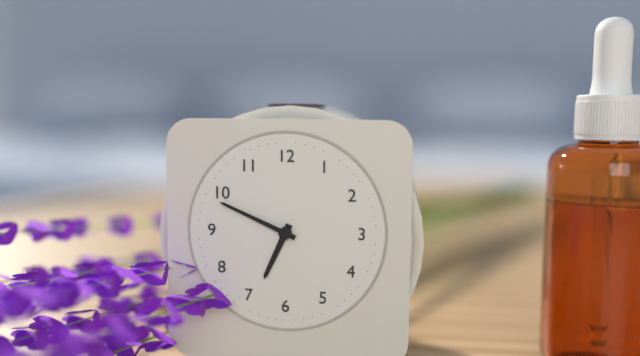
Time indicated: {"hour": 6, "minute": 49}
